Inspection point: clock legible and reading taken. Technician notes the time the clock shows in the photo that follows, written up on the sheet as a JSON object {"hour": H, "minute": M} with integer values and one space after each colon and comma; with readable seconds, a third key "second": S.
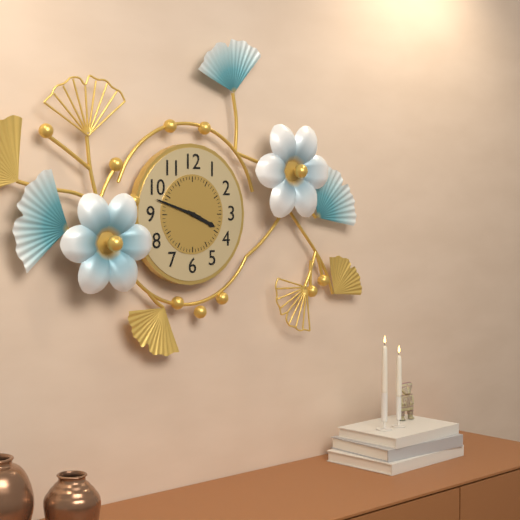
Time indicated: {"hour": 3, "minute": 48}
